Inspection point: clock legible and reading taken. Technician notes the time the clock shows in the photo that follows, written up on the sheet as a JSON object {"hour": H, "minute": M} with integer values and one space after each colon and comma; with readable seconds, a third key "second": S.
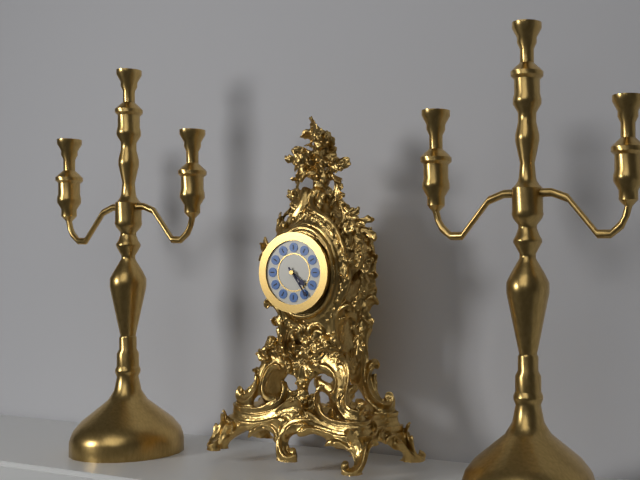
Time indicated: {"hour": 4, "minute": 24}
